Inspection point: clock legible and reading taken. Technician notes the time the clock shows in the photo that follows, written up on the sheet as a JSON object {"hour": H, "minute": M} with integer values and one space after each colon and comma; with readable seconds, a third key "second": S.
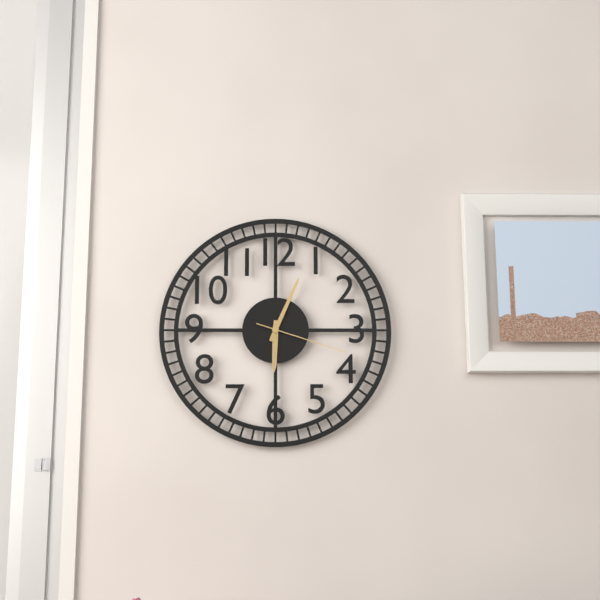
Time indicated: {"hour": 6, "minute": 4, "second": 18}
